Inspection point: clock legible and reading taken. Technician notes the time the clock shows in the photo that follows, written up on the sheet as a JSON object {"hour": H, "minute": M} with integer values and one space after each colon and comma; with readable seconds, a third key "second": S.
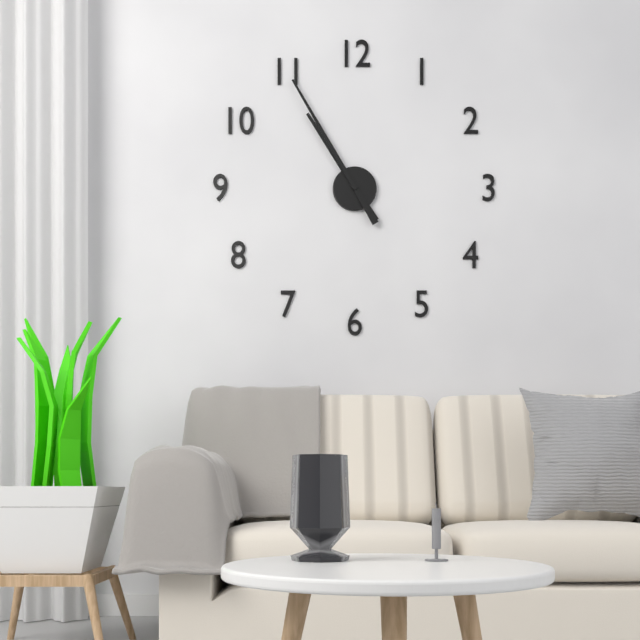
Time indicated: {"hour": 10, "minute": 55}
